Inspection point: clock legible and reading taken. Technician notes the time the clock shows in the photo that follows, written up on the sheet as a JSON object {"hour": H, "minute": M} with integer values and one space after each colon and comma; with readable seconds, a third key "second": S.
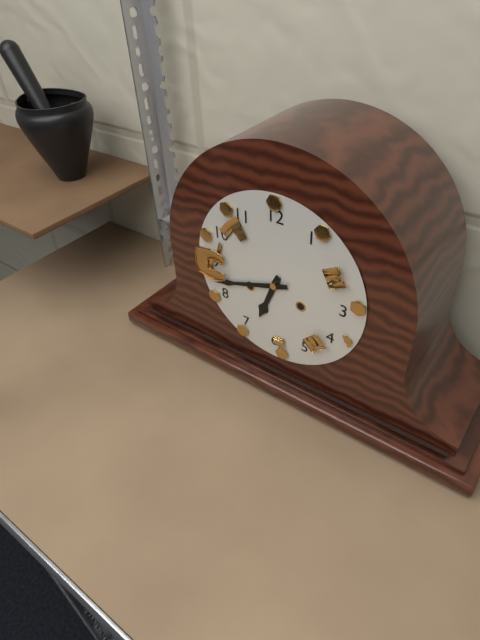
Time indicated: {"hour": 6, "minute": 42}
